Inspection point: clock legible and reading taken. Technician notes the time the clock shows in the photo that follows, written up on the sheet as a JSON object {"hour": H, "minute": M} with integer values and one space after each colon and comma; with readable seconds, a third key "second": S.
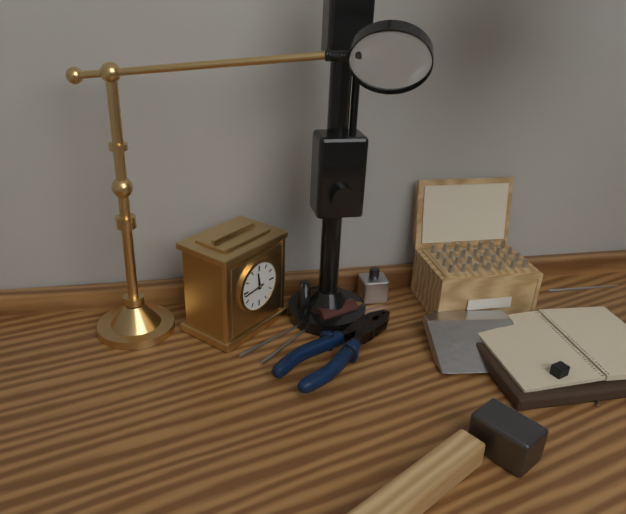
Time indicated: {"hour": 11, "minute": 44}
